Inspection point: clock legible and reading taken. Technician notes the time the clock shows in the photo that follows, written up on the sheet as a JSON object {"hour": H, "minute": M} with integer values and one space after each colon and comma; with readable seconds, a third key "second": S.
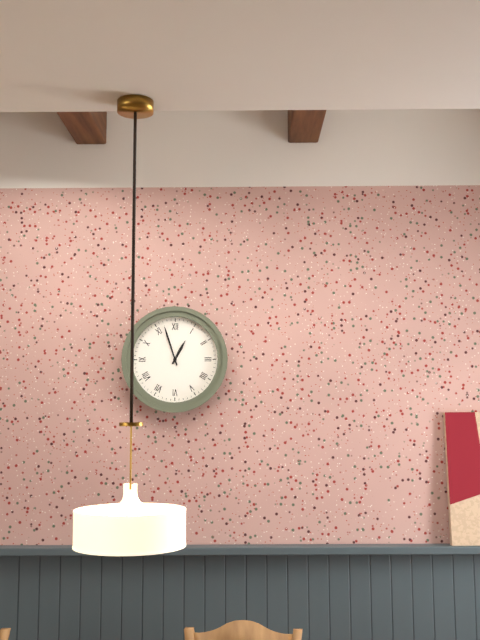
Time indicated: {"hour": 12, "minute": 57}
